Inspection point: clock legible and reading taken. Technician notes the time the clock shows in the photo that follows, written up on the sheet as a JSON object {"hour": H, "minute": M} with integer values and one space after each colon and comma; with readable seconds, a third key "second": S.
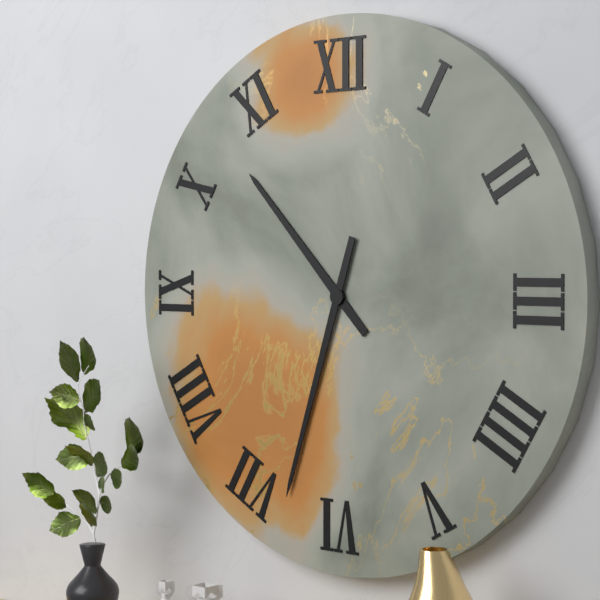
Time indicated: {"hour": 10, "minute": 33}
